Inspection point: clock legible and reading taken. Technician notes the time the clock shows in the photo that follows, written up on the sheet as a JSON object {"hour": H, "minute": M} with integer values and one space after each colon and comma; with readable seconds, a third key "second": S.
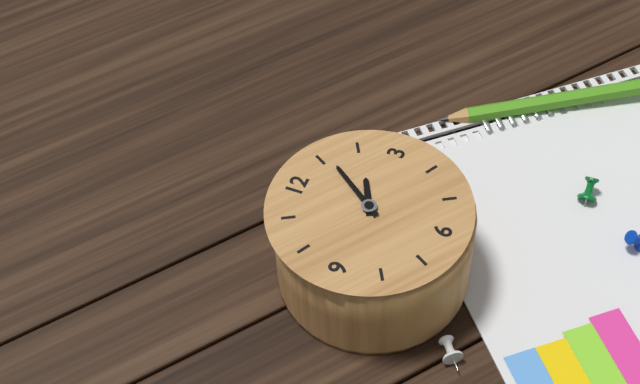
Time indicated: {"hour": 2, "minute": 6}
